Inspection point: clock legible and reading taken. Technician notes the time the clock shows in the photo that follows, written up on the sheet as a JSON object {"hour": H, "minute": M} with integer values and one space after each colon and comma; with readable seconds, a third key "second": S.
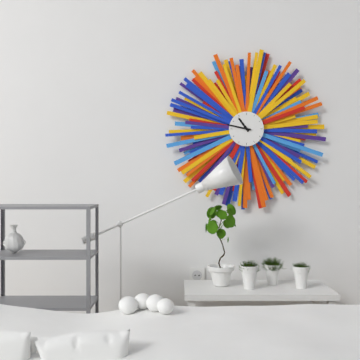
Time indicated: {"hour": 10, "minute": 47}
